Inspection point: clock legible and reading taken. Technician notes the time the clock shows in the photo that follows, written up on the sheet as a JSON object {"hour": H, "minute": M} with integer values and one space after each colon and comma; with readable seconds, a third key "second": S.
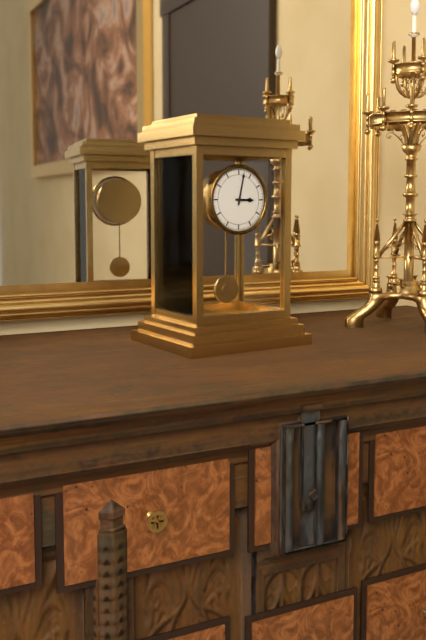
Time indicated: {"hour": 3, "minute": 2}
